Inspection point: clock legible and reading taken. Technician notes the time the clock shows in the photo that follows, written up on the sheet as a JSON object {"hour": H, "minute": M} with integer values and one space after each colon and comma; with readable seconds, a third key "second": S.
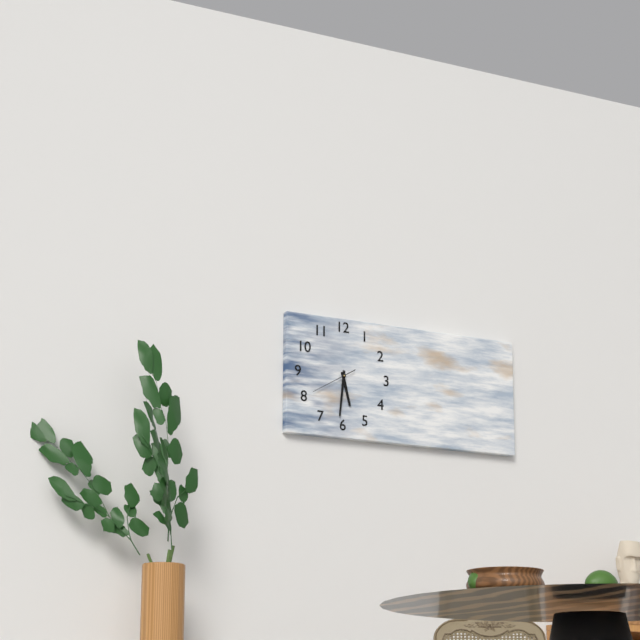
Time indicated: {"hour": 5, "minute": 31}
